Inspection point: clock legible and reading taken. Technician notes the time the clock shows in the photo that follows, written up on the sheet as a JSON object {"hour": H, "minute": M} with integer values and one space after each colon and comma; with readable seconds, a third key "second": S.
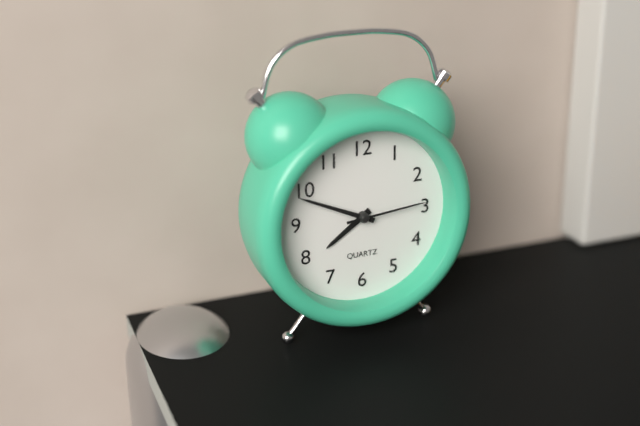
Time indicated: {"hour": 7, "minute": 49, "second": 14}
